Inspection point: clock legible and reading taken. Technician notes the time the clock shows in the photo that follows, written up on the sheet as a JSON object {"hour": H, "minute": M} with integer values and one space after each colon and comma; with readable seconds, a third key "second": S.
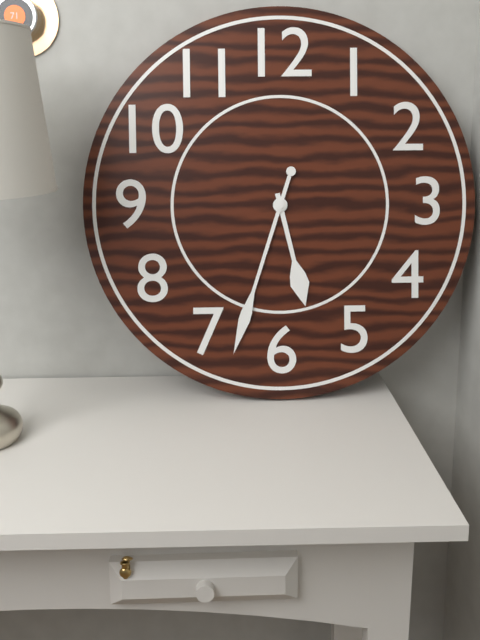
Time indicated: {"hour": 5, "minute": 33}
